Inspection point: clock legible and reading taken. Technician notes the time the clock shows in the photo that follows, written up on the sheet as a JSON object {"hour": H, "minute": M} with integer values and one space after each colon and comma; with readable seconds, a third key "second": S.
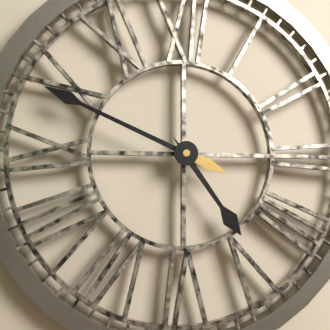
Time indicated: {"hour": 4, "minute": 49}
